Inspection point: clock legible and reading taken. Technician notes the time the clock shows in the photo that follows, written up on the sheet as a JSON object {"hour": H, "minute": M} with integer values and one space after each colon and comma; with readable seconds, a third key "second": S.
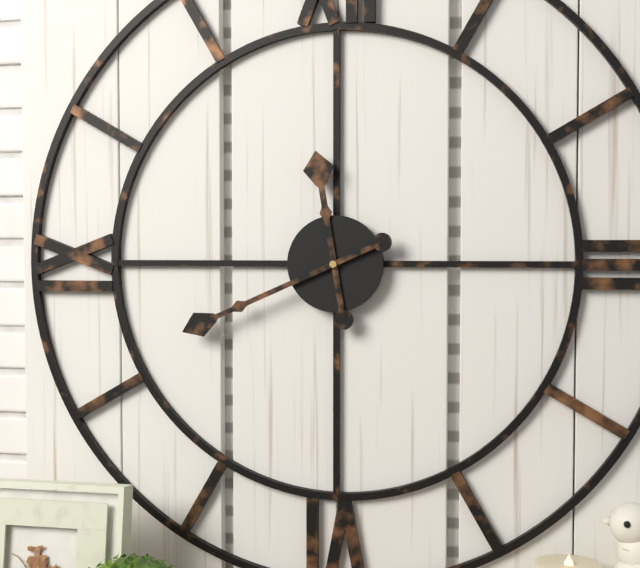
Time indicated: {"hour": 11, "minute": 41}
